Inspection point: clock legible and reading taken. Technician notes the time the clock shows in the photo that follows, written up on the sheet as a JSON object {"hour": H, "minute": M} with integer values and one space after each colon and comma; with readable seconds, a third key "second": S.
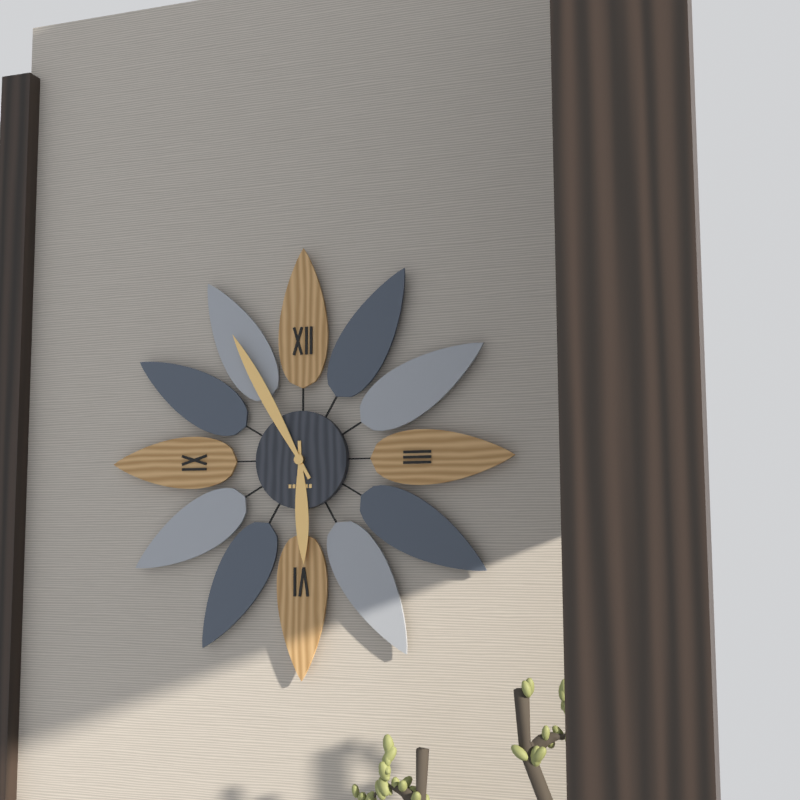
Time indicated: {"hour": 5, "minute": 55}
